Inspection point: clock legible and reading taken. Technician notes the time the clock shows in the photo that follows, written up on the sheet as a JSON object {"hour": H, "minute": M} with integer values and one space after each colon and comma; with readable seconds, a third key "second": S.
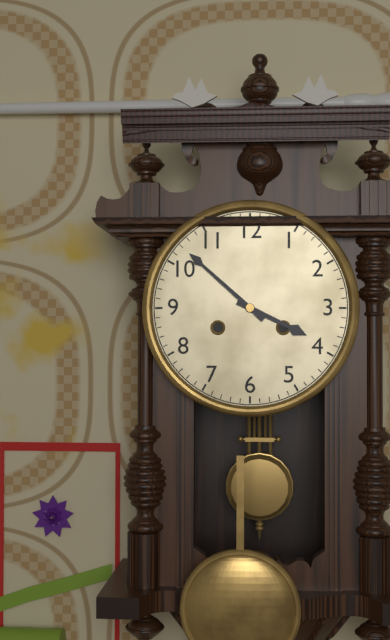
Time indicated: {"hour": 3, "minute": 52}
